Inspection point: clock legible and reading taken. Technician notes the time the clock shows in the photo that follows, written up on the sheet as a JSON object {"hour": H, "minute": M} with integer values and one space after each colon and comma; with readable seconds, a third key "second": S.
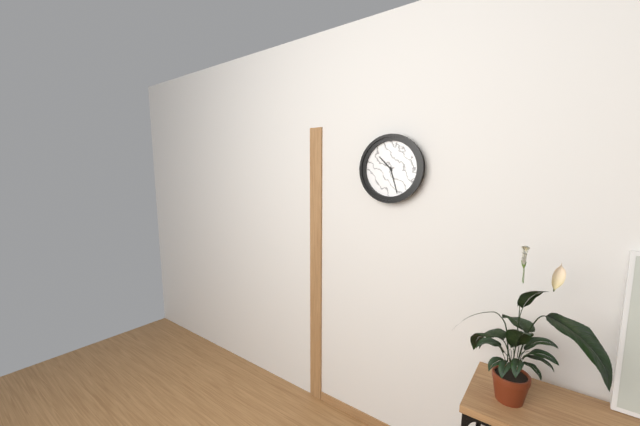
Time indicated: {"hour": 10, "minute": 27}
